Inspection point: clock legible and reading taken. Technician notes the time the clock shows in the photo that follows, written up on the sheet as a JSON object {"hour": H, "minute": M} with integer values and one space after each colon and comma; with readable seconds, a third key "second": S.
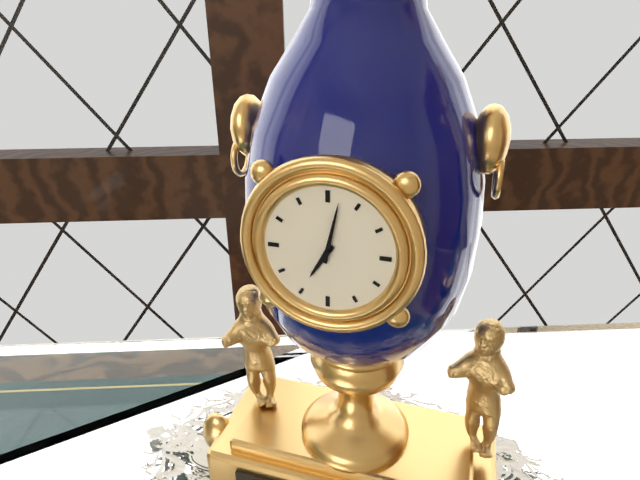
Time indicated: {"hour": 7, "minute": 2}
